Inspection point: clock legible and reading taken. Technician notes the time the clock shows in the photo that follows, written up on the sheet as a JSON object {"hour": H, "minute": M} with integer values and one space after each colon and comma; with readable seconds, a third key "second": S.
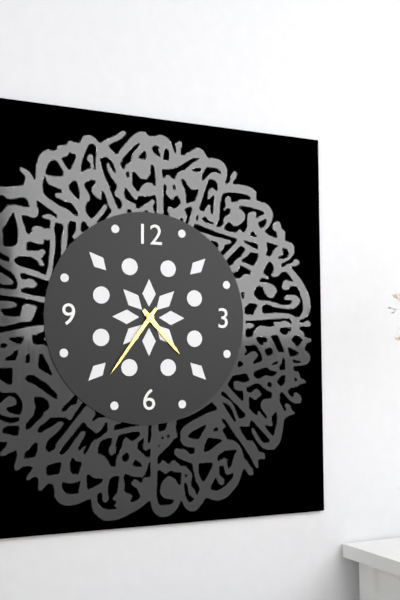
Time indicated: {"hour": 4, "minute": 36}
